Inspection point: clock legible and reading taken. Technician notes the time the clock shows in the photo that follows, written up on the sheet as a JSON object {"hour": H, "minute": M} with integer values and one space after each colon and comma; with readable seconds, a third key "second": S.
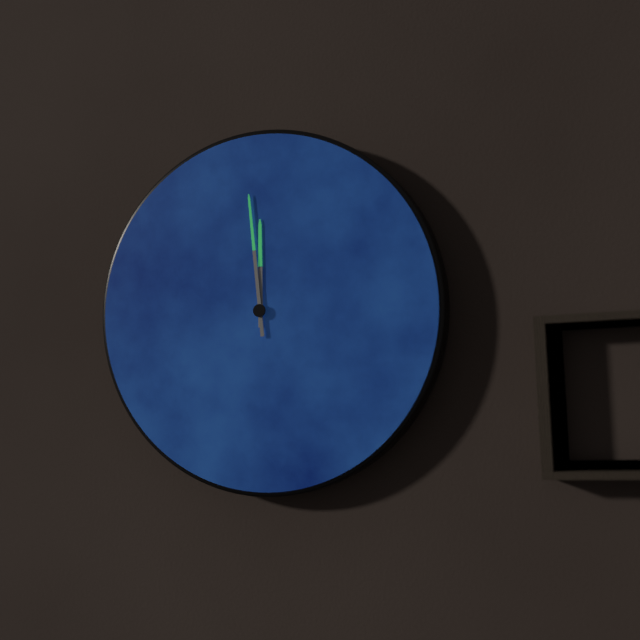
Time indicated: {"hour": 11, "minute": 59}
